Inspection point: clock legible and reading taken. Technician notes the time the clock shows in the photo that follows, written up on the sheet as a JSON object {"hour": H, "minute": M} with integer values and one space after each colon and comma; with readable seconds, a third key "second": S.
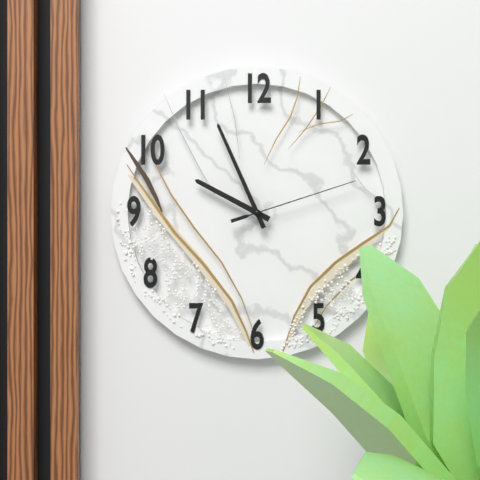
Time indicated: {"hour": 9, "minute": 56, "second": 12}
